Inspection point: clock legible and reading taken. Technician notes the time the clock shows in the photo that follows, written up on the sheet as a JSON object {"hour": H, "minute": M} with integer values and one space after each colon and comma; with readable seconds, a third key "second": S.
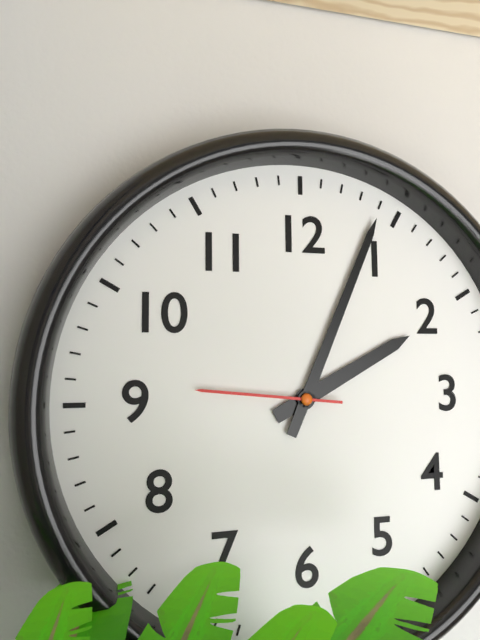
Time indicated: {"hour": 2, "minute": 4, "second": 46}
